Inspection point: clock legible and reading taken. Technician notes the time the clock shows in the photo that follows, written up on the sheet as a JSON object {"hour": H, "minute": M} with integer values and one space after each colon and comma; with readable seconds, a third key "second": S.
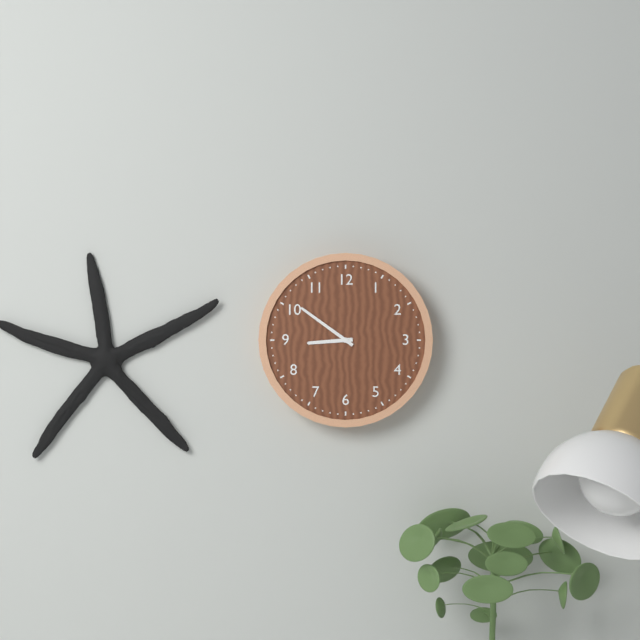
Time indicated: {"hour": 8, "minute": 51}
